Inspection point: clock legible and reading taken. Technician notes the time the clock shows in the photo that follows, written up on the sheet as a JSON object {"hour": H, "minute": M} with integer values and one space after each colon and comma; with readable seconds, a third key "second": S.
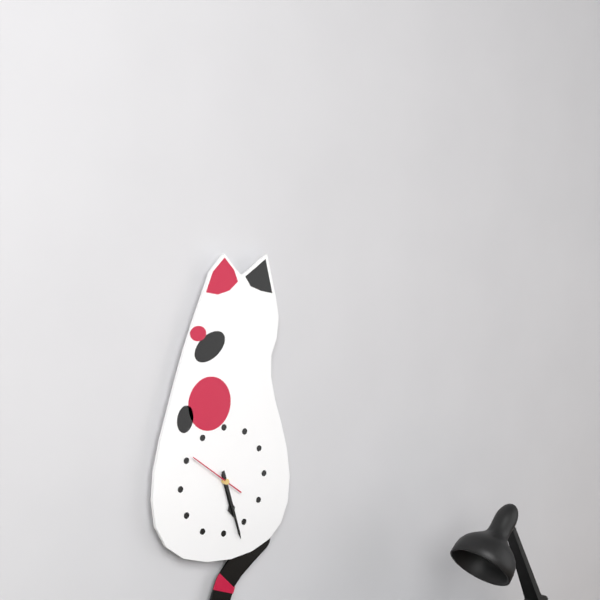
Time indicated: {"hour": 5, "minute": 27}
